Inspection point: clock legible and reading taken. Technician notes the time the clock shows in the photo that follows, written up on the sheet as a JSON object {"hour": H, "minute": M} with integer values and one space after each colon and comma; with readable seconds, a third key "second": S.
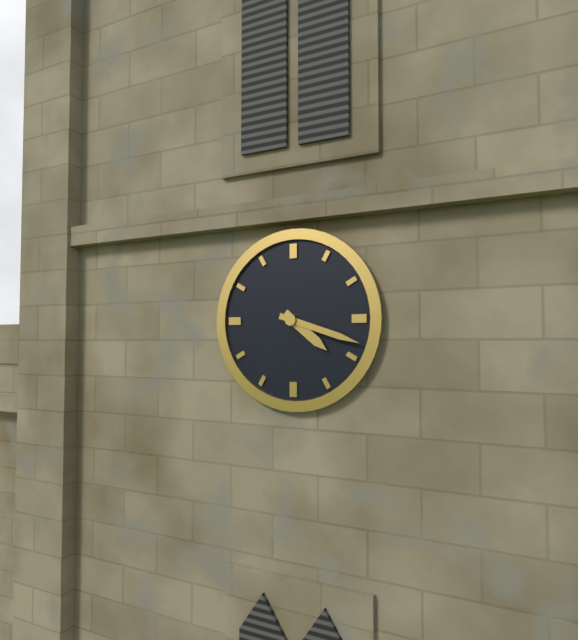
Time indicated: {"hour": 4, "minute": 18}
